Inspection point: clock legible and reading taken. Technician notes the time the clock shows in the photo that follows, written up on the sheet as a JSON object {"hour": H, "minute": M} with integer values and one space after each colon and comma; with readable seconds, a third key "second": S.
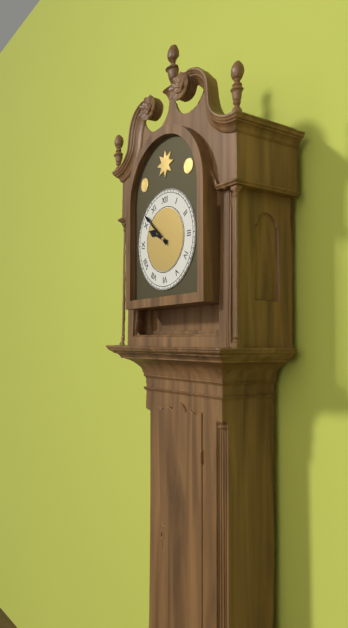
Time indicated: {"hour": 9, "minute": 52}
